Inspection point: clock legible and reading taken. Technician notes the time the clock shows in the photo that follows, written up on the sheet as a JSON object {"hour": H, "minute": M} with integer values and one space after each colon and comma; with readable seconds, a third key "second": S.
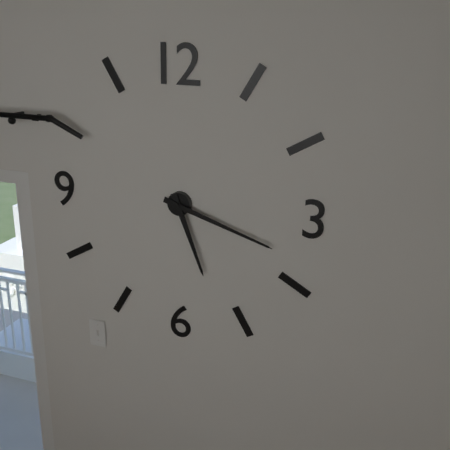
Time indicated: {"hour": 5, "minute": 18}
